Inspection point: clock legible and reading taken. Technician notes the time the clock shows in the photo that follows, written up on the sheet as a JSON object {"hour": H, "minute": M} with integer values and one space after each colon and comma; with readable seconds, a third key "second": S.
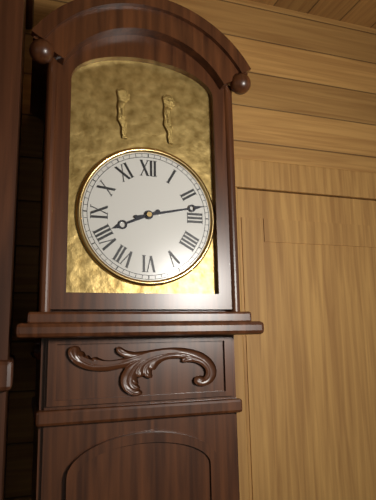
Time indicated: {"hour": 8, "minute": 13}
